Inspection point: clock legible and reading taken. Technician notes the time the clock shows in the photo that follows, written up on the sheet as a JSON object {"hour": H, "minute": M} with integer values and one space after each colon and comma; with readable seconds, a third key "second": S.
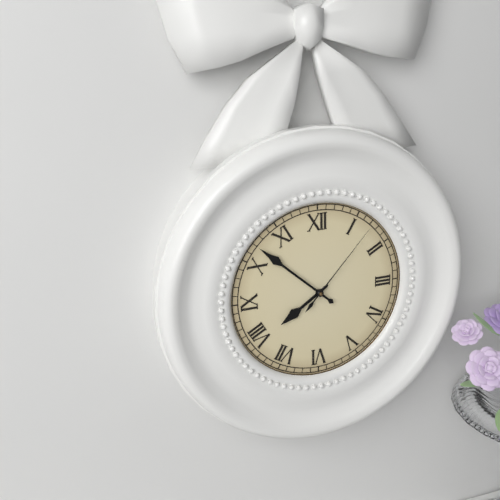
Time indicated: {"hour": 7, "minute": 52, "second": 7}
